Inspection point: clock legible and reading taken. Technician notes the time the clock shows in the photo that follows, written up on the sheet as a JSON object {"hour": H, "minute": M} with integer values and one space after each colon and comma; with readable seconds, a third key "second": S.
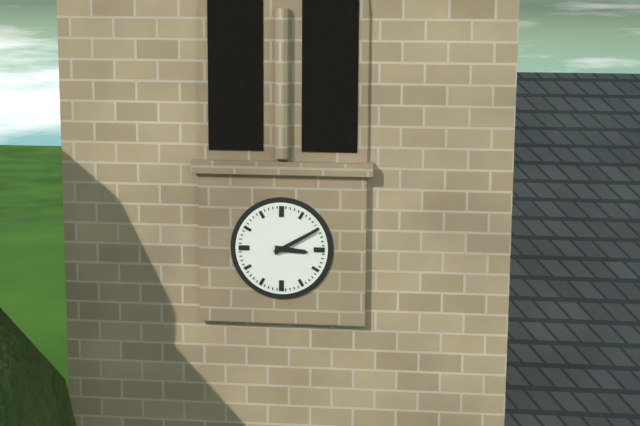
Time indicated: {"hour": 3, "minute": 10}
